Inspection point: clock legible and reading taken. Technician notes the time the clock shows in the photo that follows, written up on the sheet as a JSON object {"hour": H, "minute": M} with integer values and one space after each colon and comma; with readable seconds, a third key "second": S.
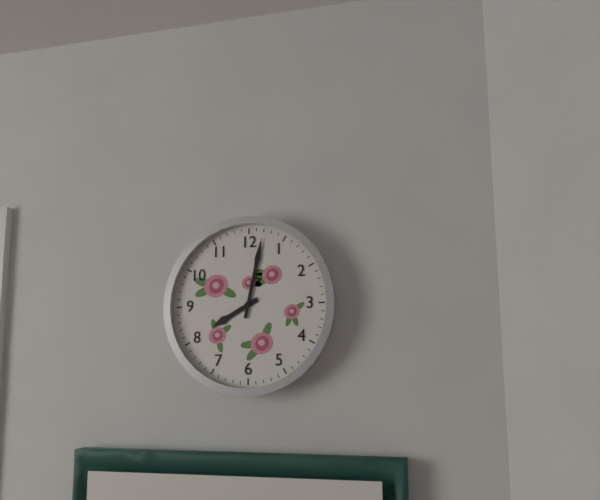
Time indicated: {"hour": 8, "minute": 2}
